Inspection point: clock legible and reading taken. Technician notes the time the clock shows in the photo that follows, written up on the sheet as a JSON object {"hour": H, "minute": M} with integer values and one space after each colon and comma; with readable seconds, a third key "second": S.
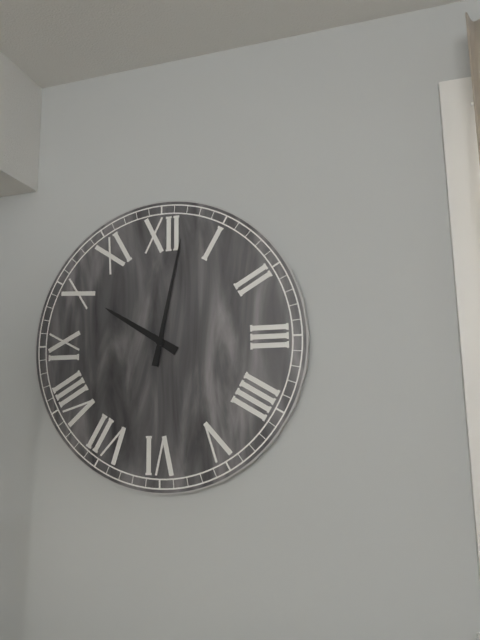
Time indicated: {"hour": 10, "minute": 2}
